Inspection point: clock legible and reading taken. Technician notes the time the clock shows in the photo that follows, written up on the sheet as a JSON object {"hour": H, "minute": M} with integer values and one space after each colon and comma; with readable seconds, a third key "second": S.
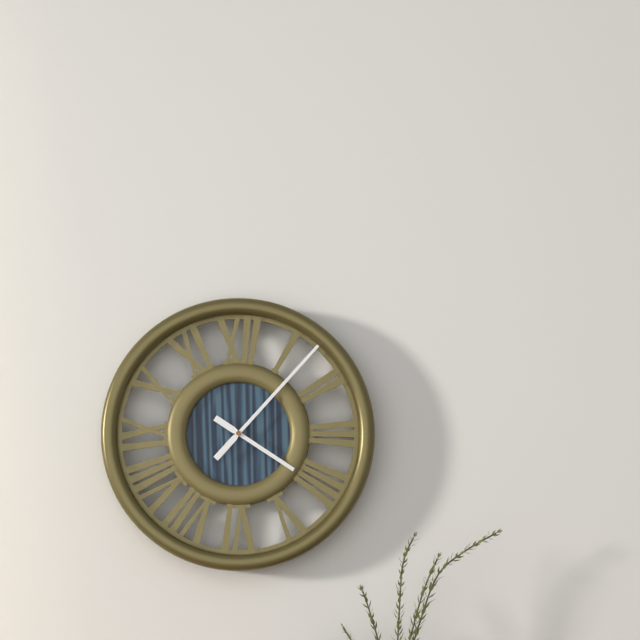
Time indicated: {"hour": 4, "minute": 7}
